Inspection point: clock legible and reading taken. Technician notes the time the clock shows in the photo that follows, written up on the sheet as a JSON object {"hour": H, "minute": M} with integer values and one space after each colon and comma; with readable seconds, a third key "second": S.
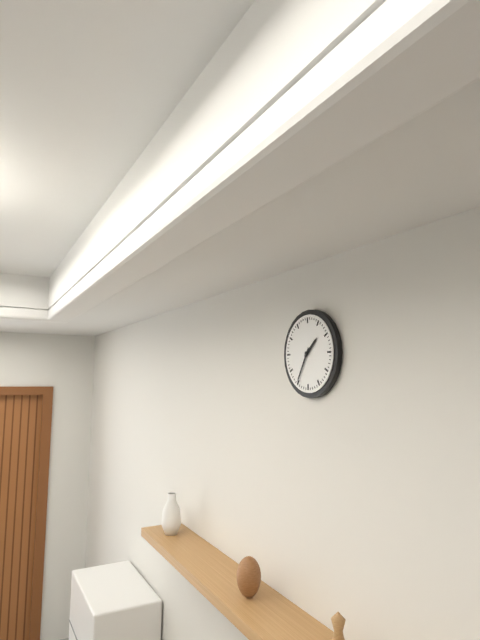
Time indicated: {"hour": 1, "minute": 35}
